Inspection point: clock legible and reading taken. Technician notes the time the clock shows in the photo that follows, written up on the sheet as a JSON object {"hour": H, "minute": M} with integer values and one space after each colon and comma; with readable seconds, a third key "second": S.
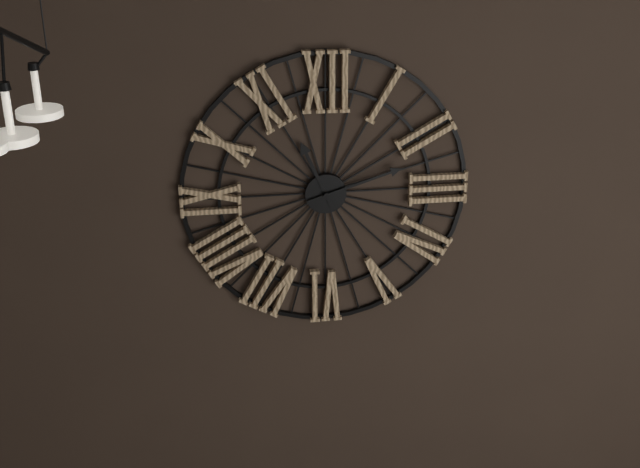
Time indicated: {"hour": 11, "minute": 12}
